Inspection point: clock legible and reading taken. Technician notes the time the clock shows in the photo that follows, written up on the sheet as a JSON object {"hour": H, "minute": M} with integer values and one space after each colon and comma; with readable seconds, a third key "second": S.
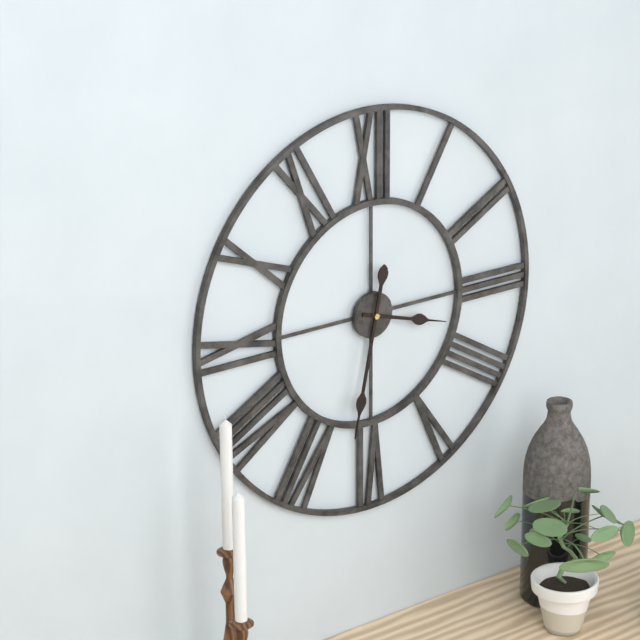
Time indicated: {"hour": 3, "minute": 32}
